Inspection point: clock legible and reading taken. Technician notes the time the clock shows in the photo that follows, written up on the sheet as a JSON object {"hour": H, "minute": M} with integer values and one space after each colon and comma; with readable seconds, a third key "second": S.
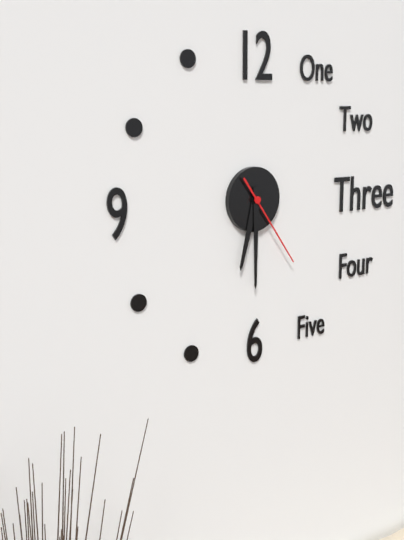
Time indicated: {"hour": 6, "minute": 30, "second": 24}
